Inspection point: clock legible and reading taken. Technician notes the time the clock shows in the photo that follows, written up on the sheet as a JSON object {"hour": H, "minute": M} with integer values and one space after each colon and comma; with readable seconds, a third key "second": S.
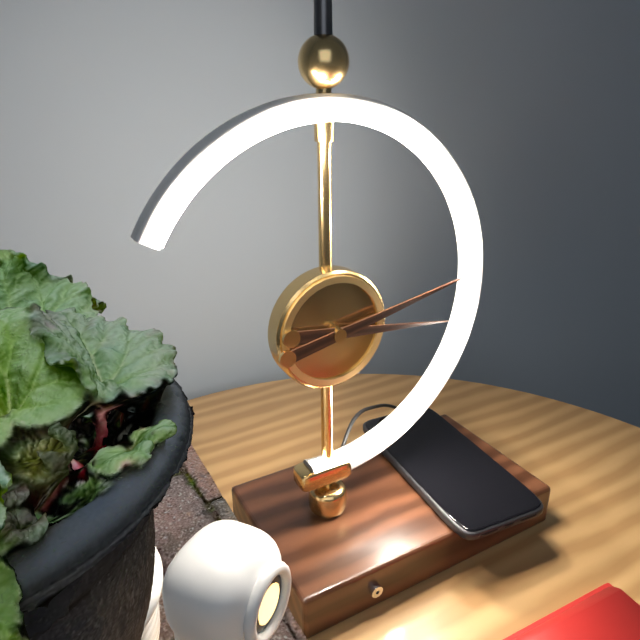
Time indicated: {"hour": 3, "minute": 13}
